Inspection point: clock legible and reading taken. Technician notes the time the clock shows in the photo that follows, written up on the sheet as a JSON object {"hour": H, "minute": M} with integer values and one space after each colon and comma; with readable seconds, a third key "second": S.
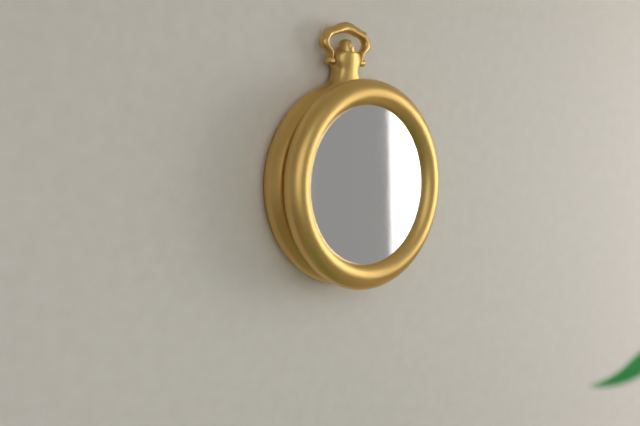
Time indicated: {"hour": 1, "minute": 9}
